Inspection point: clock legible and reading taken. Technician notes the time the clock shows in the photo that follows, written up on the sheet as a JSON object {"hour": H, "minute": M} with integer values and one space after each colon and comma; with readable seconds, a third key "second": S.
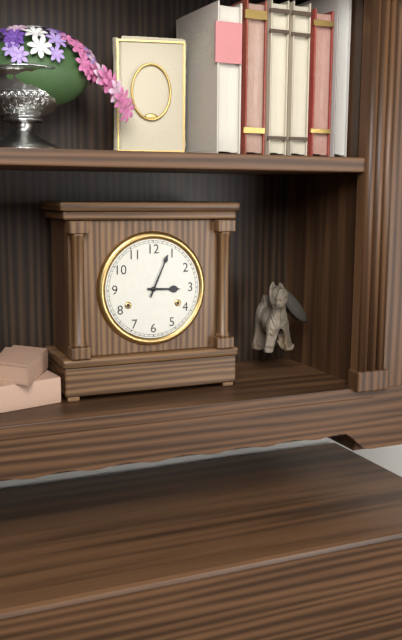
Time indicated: {"hour": 3, "minute": 4}
